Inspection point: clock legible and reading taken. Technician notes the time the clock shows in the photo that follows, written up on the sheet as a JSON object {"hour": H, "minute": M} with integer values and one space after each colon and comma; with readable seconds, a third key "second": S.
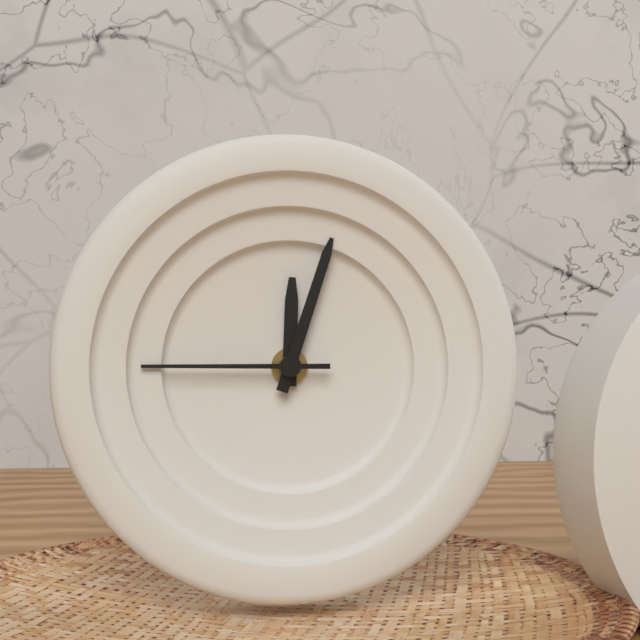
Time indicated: {"hour": 12, "minute": 3, "second": 45}
